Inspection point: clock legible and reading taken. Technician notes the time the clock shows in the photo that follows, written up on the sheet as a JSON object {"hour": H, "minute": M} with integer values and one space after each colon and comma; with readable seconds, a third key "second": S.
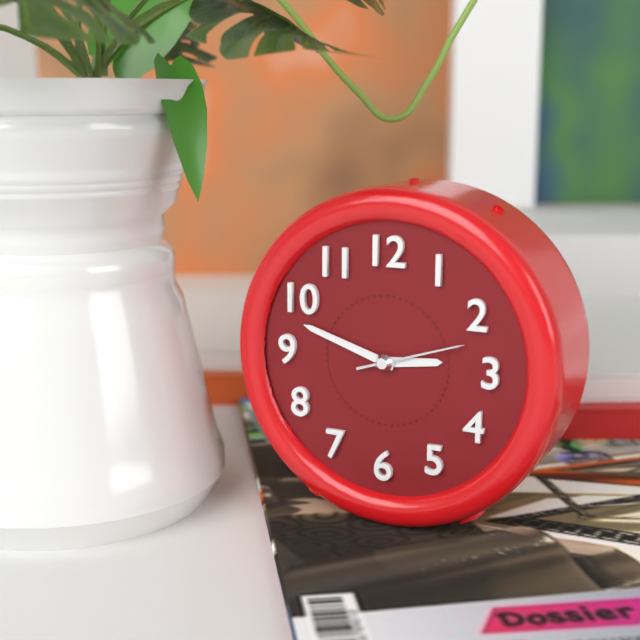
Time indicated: {"hour": 2, "minute": 48, "second": 12}
